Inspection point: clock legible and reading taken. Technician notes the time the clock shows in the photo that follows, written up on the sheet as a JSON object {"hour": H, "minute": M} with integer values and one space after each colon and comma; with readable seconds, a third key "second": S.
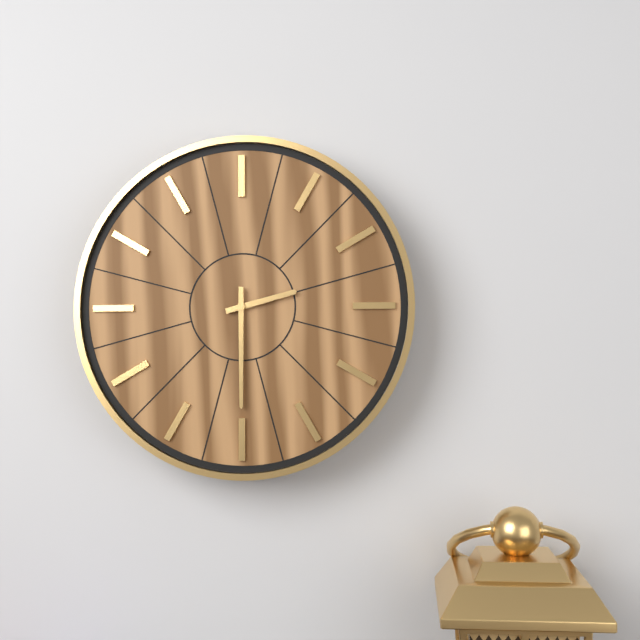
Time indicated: {"hour": 2, "minute": 30}
